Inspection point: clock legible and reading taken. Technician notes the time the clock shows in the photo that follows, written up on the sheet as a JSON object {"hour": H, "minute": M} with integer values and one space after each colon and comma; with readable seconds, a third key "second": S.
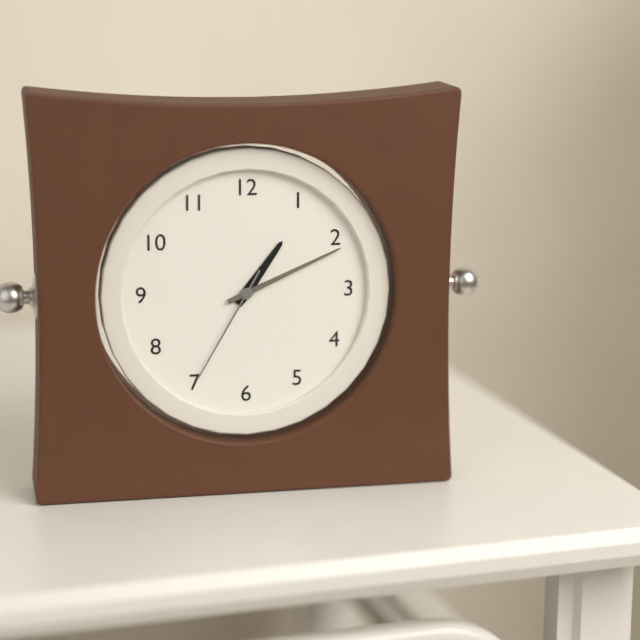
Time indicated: {"hour": 1, "minute": 11, "second": 35}
